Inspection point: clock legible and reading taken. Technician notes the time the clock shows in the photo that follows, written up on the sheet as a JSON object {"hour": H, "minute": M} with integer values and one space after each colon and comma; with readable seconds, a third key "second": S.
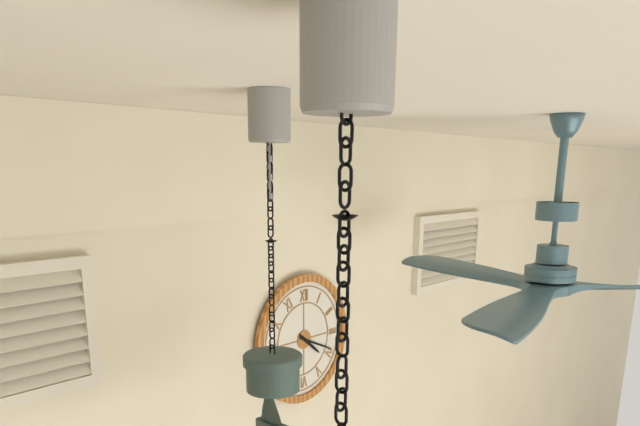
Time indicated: {"hour": 4, "minute": 19}
